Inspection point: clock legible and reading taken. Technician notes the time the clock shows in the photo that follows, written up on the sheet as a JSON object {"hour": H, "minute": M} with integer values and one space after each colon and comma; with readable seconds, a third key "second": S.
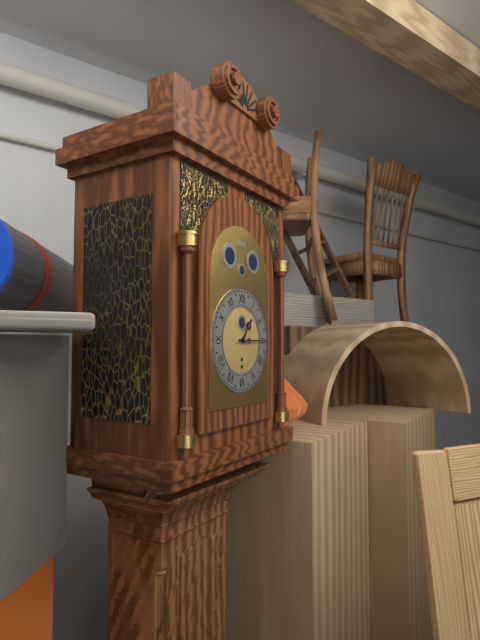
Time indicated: {"hour": 1, "minute": 15}
